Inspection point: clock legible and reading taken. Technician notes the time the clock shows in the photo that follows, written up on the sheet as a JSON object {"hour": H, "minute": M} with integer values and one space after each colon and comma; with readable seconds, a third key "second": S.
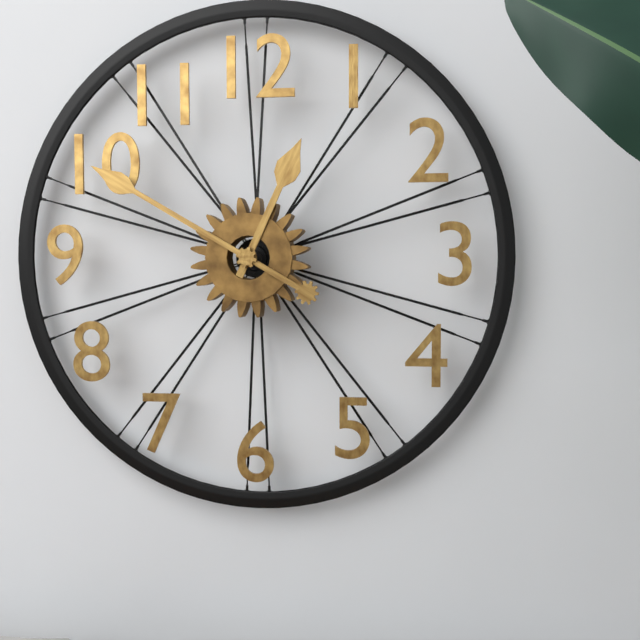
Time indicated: {"hour": 12, "minute": 50}
